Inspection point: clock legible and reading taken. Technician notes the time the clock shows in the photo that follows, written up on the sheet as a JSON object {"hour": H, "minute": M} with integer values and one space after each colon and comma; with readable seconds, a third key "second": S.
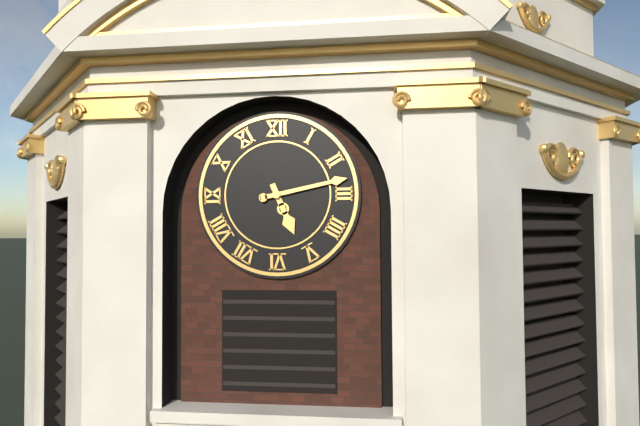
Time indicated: {"hour": 5, "minute": 13}
